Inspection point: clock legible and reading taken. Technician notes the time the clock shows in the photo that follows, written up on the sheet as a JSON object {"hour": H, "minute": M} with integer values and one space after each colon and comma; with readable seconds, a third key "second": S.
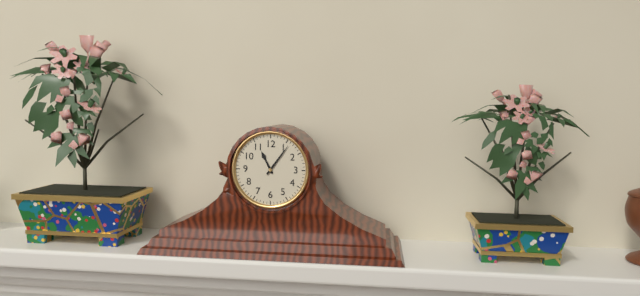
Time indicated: {"hour": 11, "minute": 6}
